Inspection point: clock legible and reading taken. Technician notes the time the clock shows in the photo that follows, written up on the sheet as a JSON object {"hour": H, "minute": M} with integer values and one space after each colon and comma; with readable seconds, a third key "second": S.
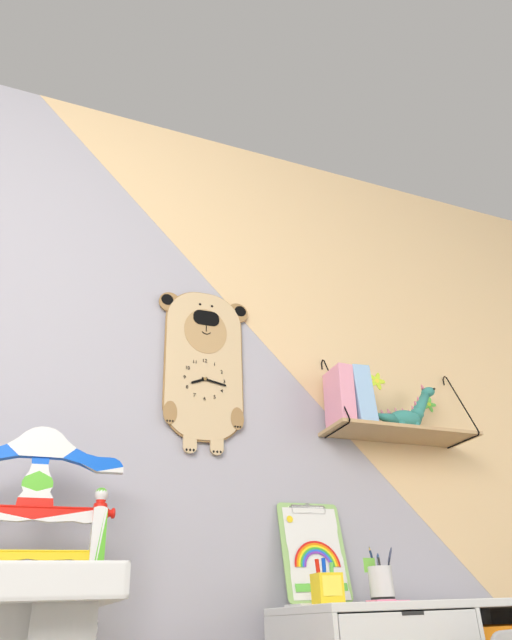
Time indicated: {"hour": 8, "minute": 17}
